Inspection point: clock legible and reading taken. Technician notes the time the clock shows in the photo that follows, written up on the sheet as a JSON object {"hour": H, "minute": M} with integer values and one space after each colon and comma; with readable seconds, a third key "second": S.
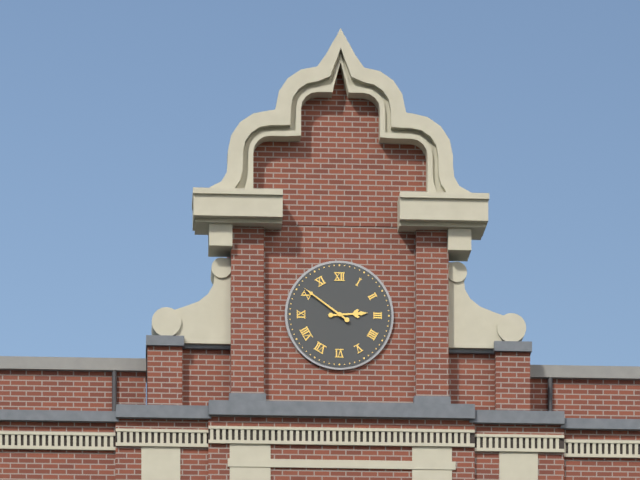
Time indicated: {"hour": 2, "minute": 51}
